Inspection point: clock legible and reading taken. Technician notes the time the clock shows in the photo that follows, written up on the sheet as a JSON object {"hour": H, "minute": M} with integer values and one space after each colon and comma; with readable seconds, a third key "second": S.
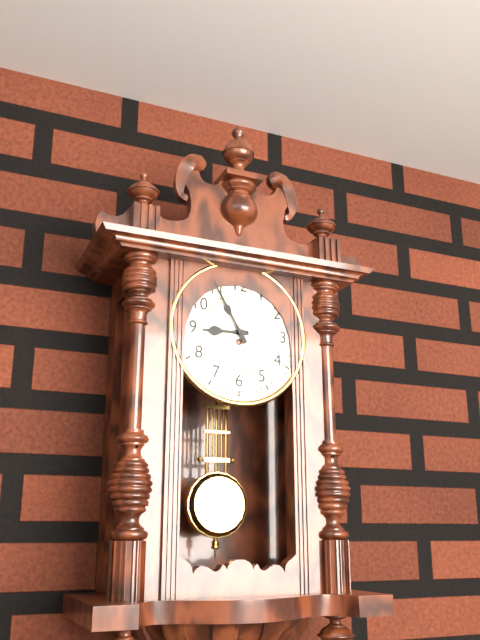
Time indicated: {"hour": 8, "minute": 55}
